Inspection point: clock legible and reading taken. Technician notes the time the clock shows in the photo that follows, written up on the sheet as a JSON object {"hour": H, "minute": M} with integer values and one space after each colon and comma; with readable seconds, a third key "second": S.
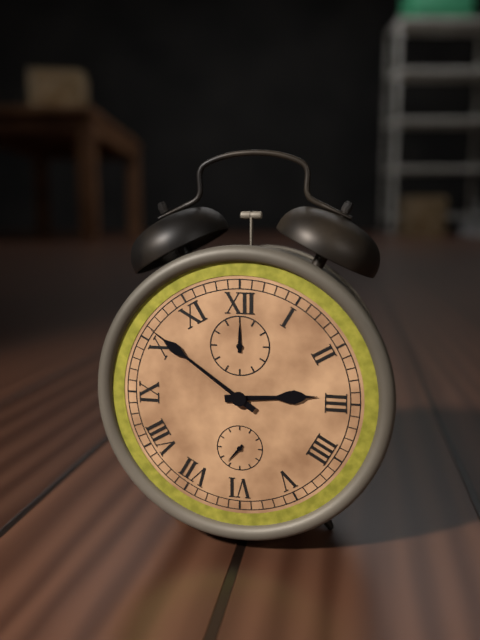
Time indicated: {"hour": 2, "minute": 51}
